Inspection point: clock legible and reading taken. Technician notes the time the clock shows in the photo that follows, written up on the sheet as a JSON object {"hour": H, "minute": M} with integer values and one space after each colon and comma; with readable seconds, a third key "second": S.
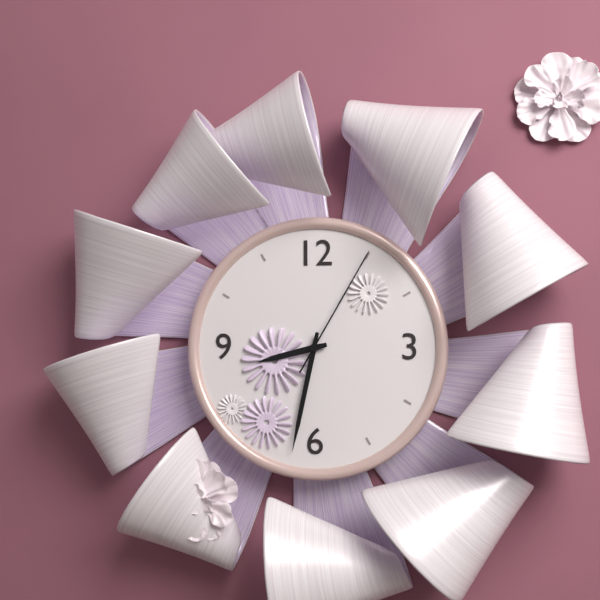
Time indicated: {"hour": 8, "minute": 32, "second": 5}
